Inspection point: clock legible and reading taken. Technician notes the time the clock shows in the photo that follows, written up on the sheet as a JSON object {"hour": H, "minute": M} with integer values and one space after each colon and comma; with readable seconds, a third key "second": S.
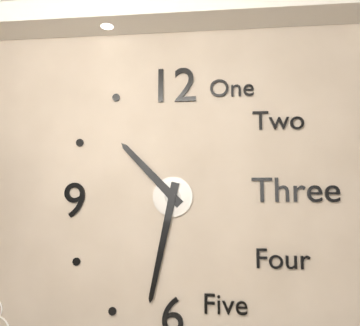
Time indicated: {"hour": 10, "minute": 32}
